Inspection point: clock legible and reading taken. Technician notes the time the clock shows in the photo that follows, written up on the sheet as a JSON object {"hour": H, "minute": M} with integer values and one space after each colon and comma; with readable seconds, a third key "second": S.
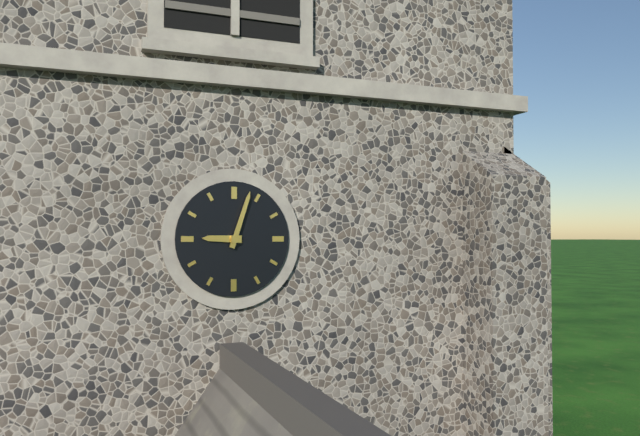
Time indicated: {"hour": 9, "minute": 3}
